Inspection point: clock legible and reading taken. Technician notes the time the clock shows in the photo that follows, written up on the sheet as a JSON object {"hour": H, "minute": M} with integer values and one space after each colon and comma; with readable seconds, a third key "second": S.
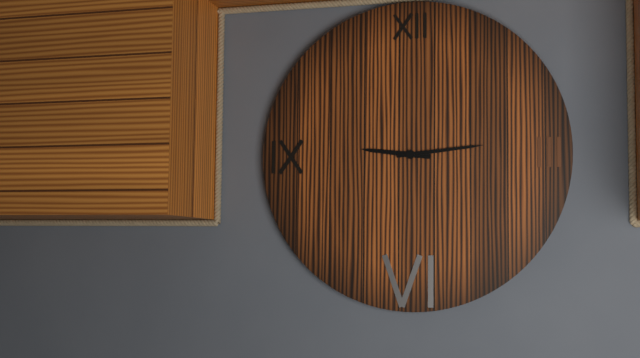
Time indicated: {"hour": 9, "minute": 14}
